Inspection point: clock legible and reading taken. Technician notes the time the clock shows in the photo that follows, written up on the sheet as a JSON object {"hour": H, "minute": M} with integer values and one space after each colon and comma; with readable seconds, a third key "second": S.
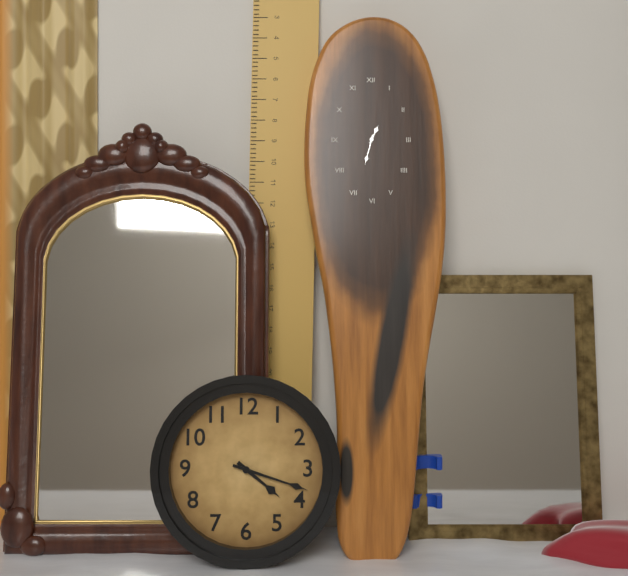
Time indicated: {"hour": 4, "minute": 18}
